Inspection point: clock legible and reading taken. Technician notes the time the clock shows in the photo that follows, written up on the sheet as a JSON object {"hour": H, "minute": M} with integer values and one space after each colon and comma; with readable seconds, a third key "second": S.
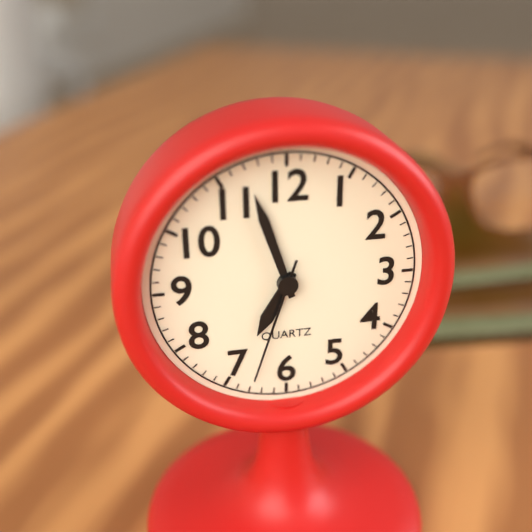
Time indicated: {"hour": 6, "minute": 57, "second": 33}
